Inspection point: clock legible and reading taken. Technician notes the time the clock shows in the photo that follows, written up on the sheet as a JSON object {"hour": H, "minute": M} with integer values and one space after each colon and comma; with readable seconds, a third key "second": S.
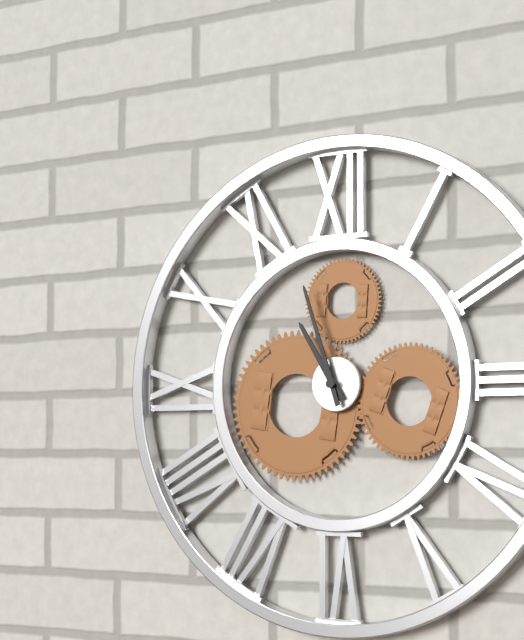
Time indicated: {"hour": 10, "minute": 57}
